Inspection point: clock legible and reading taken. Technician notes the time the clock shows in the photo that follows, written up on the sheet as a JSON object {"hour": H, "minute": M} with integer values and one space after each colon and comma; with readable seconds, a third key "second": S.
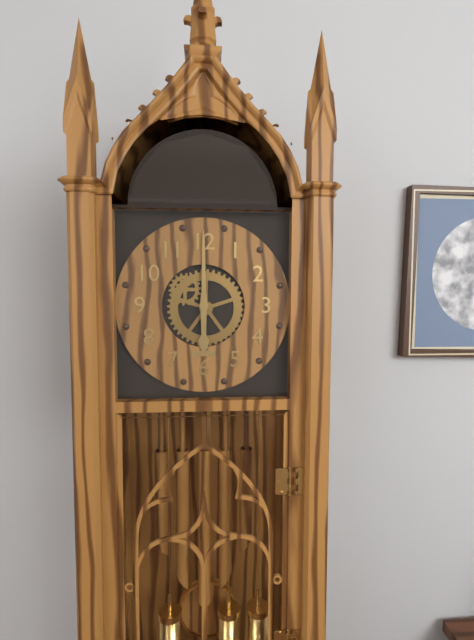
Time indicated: {"hour": 6, "minute": 0}
